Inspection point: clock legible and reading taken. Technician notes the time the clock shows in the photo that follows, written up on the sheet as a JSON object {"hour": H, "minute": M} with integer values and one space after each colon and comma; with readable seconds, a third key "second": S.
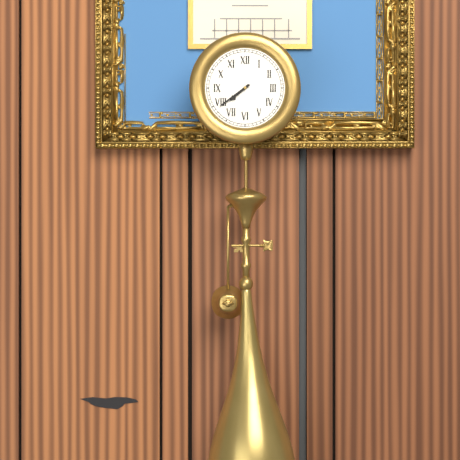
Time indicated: {"hour": 7, "minute": 39}
